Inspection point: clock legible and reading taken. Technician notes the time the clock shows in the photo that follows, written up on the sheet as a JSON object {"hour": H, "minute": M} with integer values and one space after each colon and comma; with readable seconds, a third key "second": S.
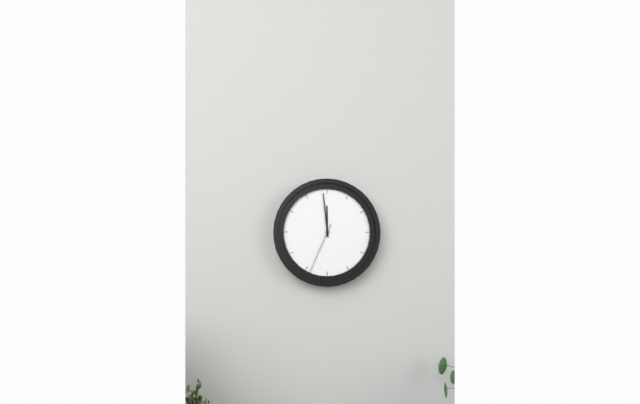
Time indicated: {"hour": 11, "minute": 59, "second": 34}
